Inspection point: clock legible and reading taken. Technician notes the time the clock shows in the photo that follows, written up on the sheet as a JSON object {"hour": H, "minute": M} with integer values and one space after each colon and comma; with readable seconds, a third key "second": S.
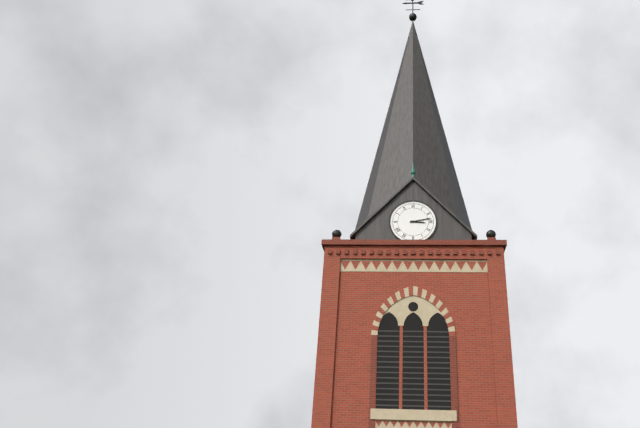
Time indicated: {"hour": 3, "minute": 13}
